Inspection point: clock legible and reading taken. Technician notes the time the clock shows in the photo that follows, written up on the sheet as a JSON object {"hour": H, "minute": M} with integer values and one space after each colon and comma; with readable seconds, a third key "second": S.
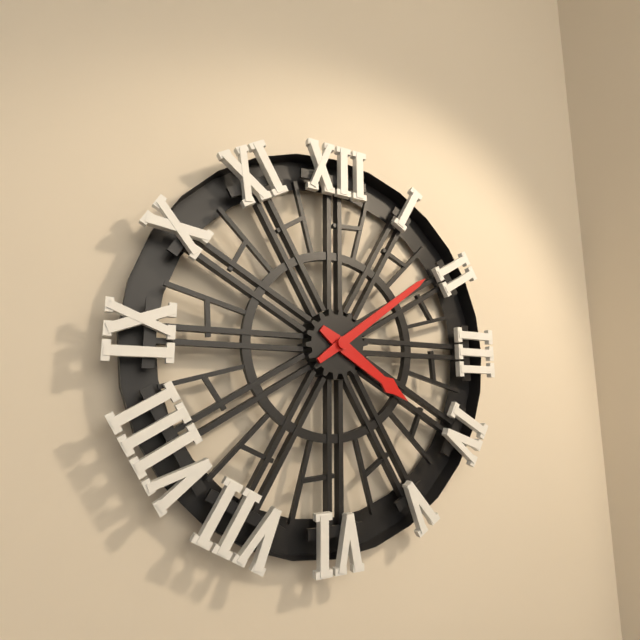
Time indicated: {"hour": 4, "minute": 9}
